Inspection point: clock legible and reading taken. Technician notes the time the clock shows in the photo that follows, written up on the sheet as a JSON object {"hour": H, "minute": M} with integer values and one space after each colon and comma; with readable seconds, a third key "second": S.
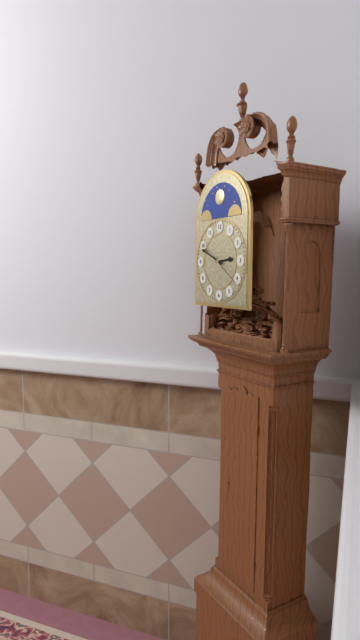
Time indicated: {"hour": 2, "minute": 49}
